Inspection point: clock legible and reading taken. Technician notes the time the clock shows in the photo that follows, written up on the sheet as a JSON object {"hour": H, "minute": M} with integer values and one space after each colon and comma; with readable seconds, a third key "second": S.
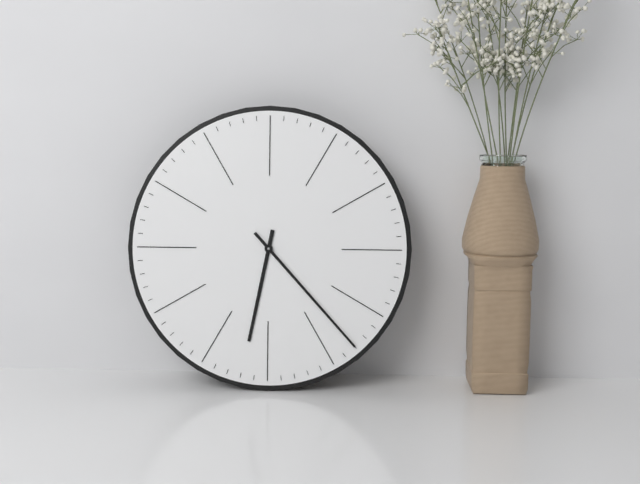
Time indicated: {"hour": 6, "minute": 23}
